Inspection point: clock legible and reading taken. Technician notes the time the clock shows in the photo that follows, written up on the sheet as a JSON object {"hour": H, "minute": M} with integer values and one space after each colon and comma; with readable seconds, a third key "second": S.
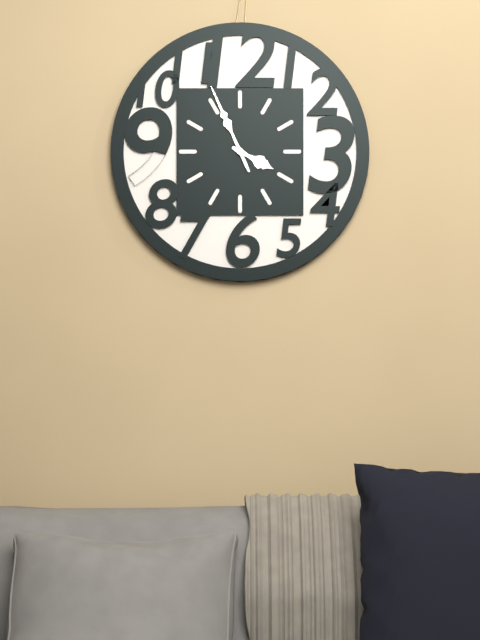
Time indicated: {"hour": 3, "minute": 56}
